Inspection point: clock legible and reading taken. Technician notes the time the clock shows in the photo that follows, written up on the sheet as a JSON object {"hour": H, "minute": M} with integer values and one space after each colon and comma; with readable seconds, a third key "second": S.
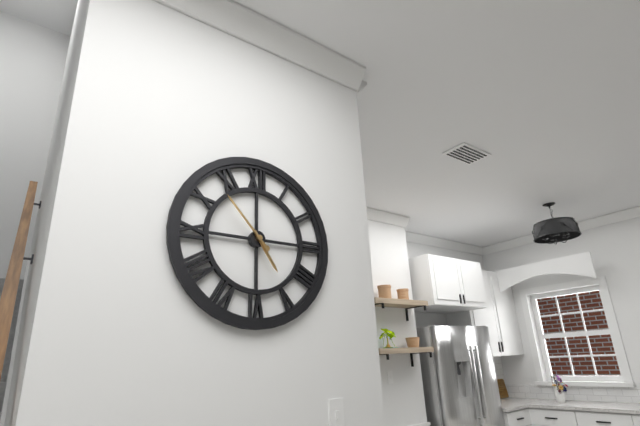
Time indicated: {"hour": 4, "minute": 53}
